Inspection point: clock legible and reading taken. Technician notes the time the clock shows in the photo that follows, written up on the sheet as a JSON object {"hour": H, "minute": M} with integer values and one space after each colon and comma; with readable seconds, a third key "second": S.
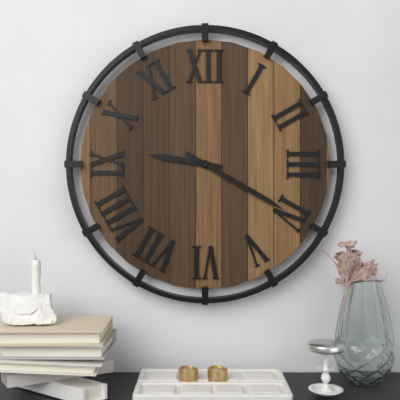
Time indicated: {"hour": 9, "minute": 20}
